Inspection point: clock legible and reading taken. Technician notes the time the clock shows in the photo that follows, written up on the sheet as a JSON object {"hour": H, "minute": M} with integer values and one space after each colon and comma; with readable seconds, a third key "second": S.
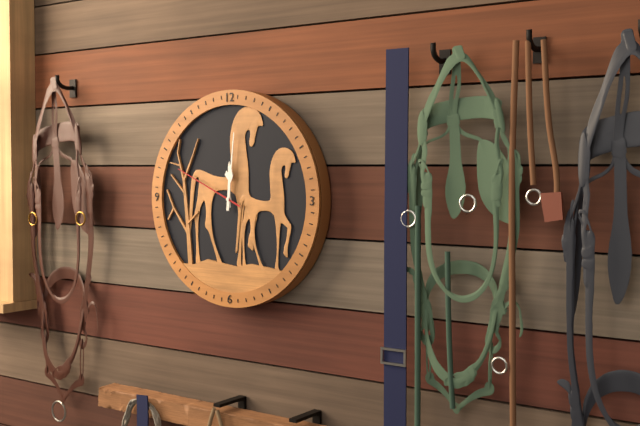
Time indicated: {"hour": 12, "minute": 1, "second": 49}
